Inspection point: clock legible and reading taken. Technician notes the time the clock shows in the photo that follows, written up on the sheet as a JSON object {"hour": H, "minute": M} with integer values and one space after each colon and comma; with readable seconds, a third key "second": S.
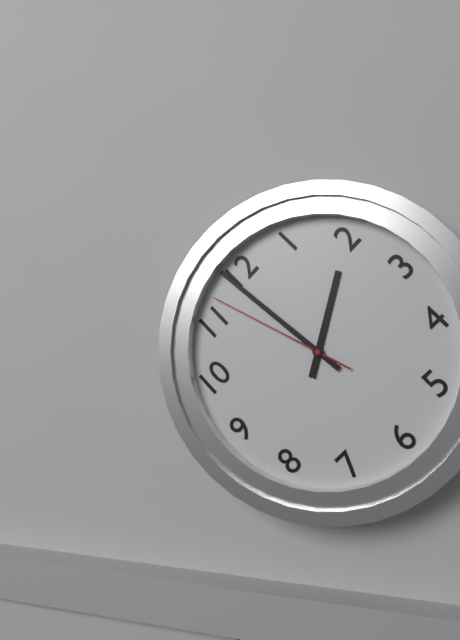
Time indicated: {"hour": 1, "minute": 59, "second": 57}
